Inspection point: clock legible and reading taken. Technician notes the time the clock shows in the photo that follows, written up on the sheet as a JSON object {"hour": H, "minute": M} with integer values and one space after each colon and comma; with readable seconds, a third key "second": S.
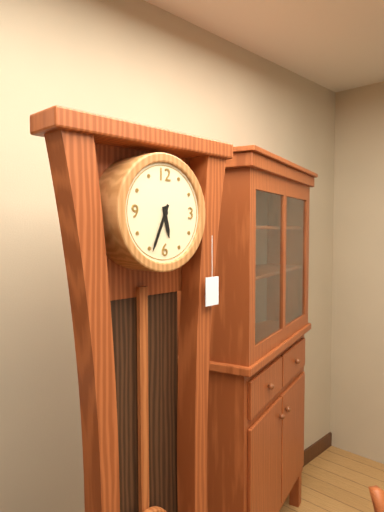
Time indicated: {"hour": 5, "minute": 34}
